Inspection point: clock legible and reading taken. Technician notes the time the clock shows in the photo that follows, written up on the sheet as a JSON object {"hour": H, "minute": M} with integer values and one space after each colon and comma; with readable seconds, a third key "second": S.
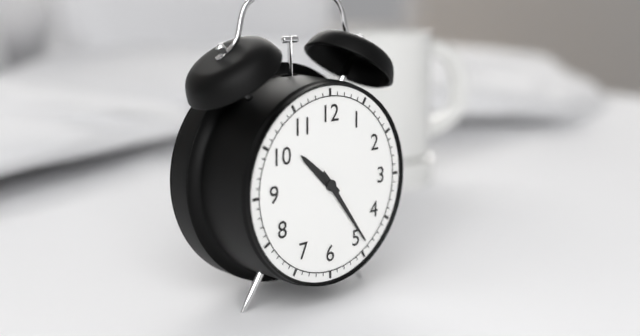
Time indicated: {"hour": 10, "minute": 24}
